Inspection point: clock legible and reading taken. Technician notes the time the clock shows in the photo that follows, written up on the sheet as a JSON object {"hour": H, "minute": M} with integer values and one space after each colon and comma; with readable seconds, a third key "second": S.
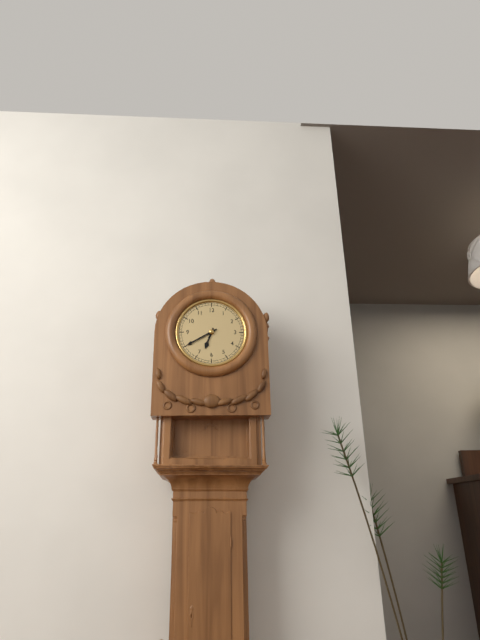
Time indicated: {"hour": 6, "minute": 40}
